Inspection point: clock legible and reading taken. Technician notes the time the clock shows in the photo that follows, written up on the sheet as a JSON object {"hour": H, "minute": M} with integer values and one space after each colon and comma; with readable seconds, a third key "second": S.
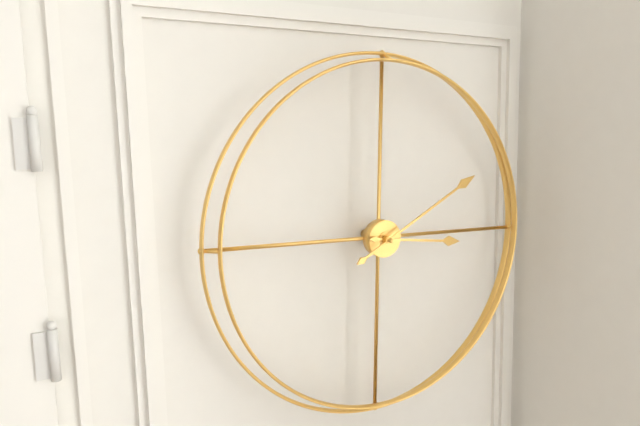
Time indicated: {"hour": 3, "minute": 10}
